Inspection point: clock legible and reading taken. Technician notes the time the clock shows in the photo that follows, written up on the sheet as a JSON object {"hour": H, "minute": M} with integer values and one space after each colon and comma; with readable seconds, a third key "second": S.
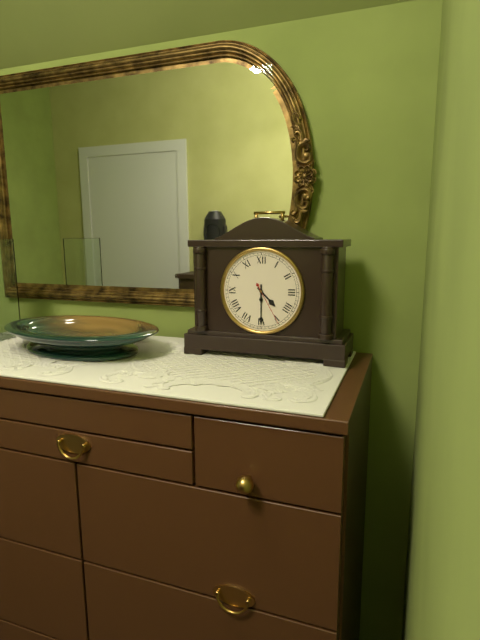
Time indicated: {"hour": 4, "minute": 30}
